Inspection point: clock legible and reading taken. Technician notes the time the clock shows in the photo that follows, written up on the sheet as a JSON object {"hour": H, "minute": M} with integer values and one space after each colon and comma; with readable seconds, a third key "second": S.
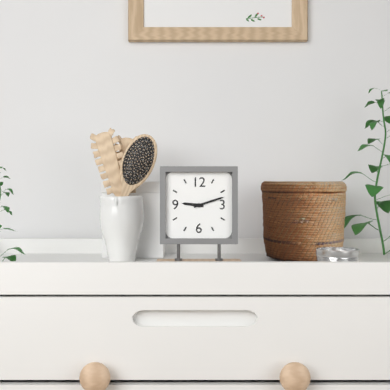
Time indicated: {"hour": 9, "minute": 12}
